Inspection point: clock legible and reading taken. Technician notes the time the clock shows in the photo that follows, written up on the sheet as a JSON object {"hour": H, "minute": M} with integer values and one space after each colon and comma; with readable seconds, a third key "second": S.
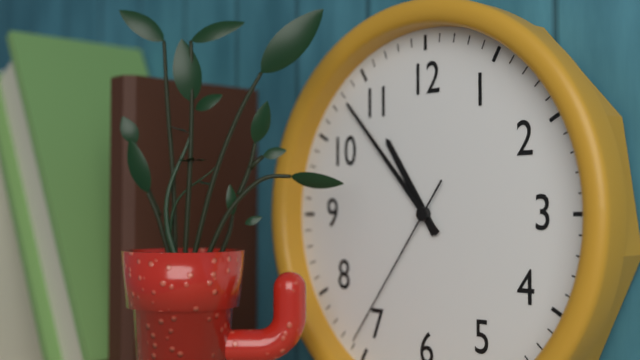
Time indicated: {"hour": 10, "minute": 53, "second": 36}
